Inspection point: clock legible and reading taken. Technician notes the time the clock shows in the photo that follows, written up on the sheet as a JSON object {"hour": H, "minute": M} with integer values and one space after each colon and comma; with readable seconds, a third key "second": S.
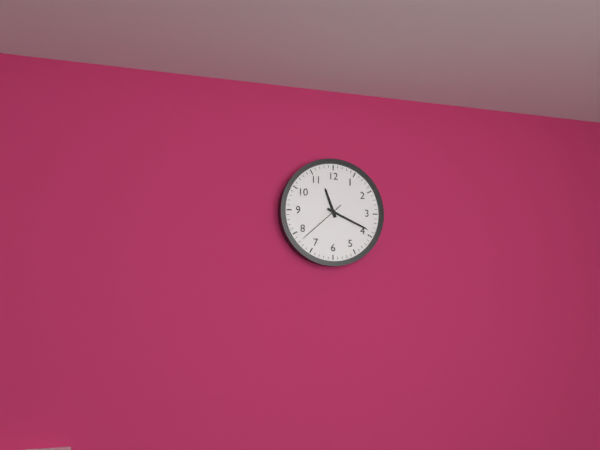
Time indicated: {"hour": 11, "minute": 19, "second": 38}
